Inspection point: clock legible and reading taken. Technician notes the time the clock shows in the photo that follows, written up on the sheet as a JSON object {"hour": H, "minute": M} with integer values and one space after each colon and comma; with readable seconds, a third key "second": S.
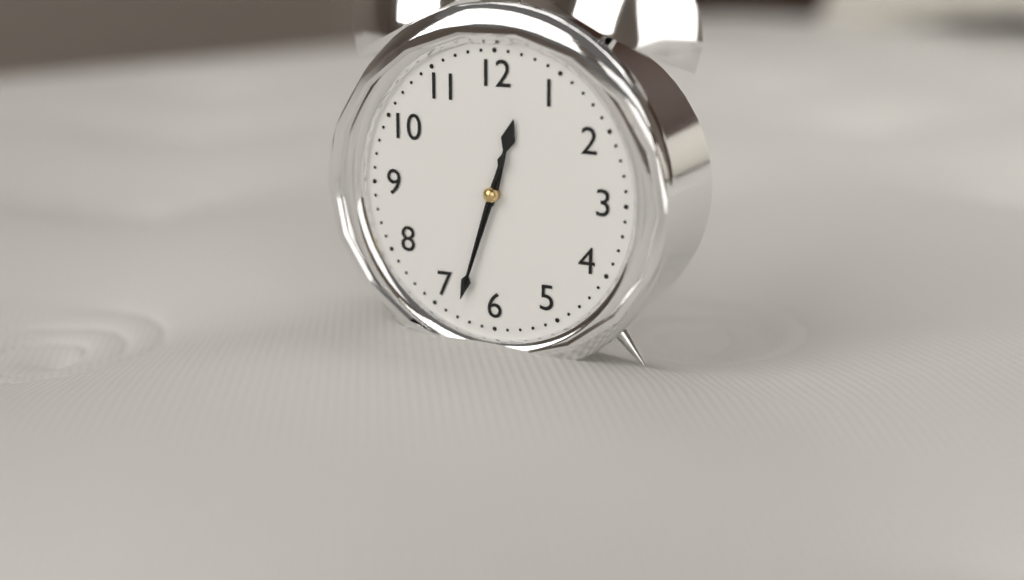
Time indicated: {"hour": 12, "minute": 33, "second": 33}
